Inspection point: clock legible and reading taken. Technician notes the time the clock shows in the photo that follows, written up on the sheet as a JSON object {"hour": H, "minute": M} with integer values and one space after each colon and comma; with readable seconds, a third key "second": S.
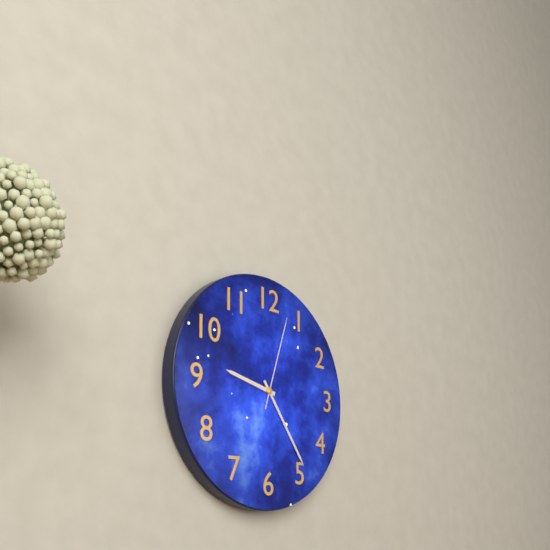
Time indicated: {"hour": 9, "minute": 24, "second": 3}
